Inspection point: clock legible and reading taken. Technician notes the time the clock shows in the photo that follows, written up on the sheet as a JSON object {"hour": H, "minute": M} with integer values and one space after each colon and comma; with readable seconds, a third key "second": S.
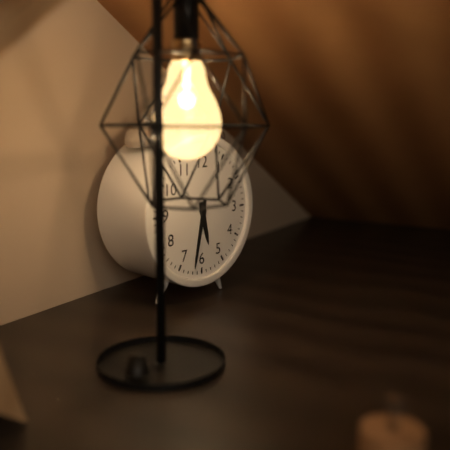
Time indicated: {"hour": 5, "minute": 32}
